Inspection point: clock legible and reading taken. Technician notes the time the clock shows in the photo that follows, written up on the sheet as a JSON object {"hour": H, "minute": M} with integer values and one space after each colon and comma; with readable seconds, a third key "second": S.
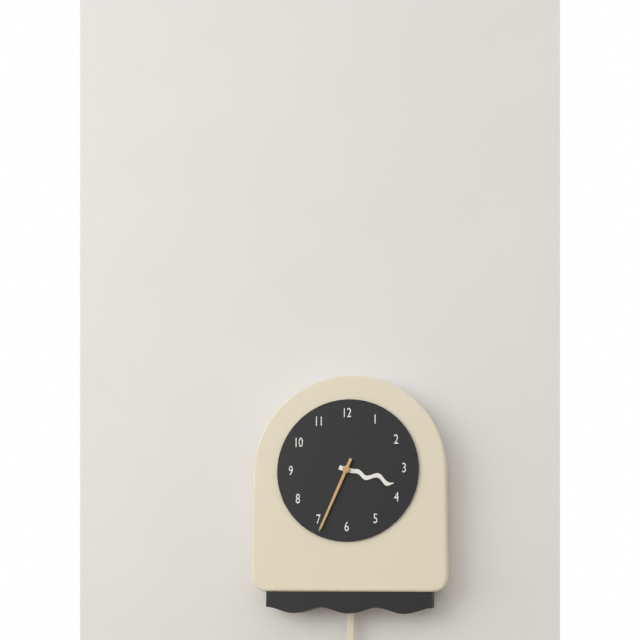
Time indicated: {"hour": 3, "minute": 34}
